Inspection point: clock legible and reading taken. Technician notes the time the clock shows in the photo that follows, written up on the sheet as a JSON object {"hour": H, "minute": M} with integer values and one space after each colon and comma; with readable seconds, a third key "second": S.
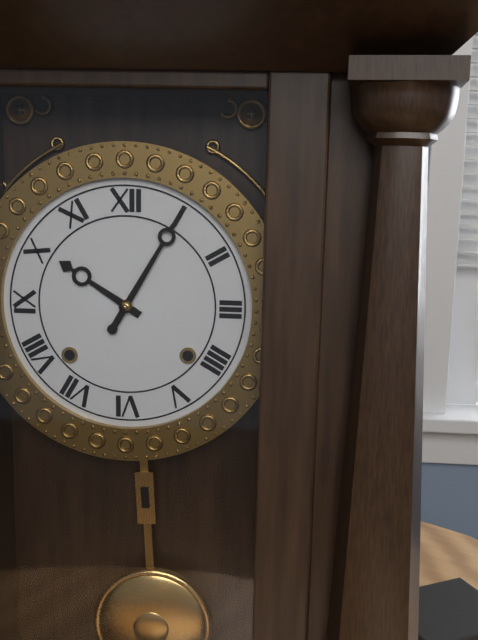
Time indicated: {"hour": 10, "minute": 5}
